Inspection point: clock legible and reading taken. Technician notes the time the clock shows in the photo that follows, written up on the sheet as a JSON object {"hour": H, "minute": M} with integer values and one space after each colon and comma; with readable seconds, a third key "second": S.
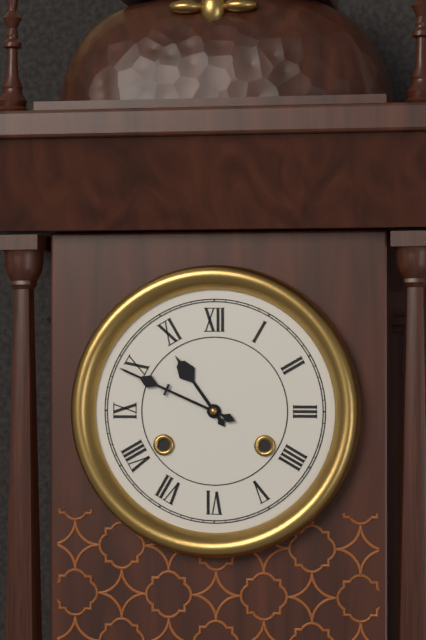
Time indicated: {"hour": 10, "minute": 49}
